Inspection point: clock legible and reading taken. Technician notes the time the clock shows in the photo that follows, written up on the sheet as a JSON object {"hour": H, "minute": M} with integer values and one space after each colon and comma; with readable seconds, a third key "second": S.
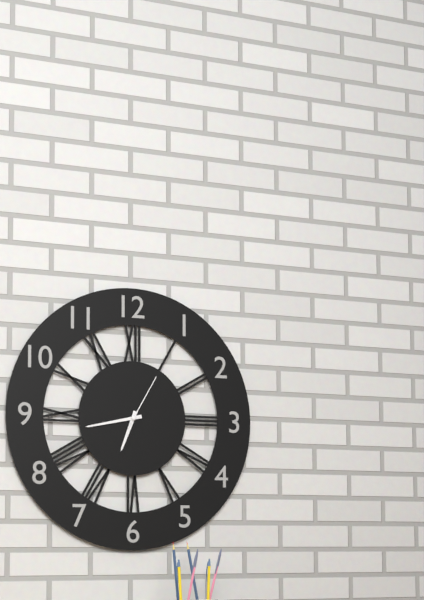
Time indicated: {"hour": 6, "minute": 43, "second": 5}
